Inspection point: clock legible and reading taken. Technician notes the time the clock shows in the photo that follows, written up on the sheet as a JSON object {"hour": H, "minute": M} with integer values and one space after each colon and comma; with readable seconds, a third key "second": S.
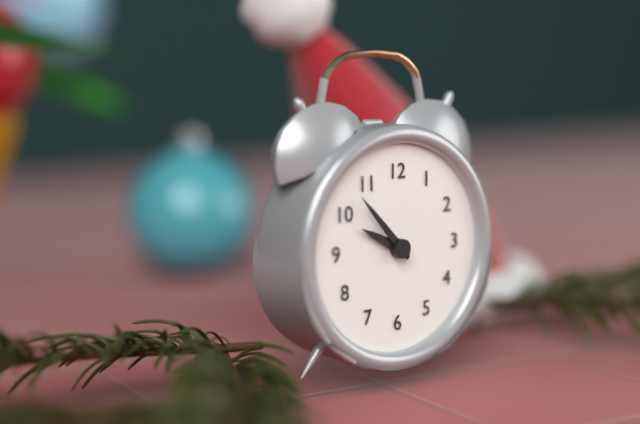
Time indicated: {"hour": 9, "minute": 53}
